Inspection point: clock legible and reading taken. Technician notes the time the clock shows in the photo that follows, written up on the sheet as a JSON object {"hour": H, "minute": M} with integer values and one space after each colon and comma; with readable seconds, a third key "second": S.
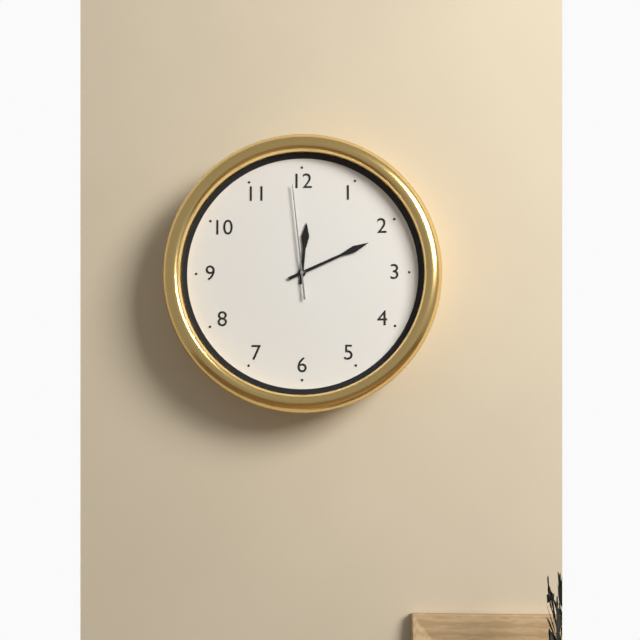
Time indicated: {"hour": 12, "minute": 11, "second": 59}
